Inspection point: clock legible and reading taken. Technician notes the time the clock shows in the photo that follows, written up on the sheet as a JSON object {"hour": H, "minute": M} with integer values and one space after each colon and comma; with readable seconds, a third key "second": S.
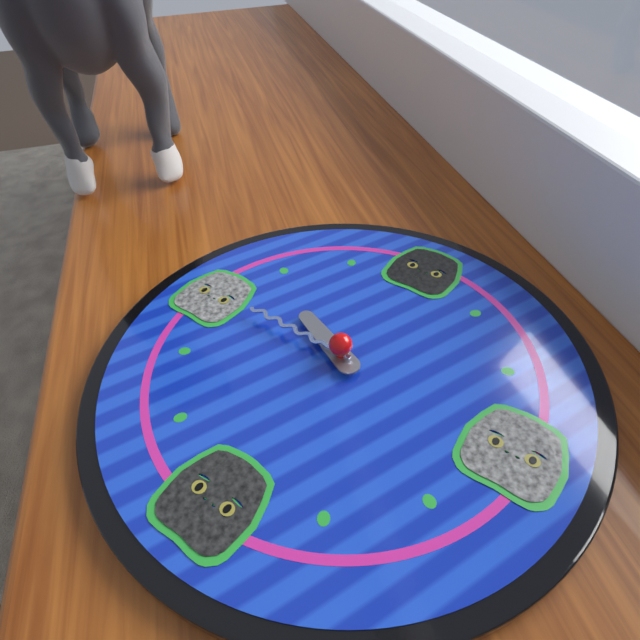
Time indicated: {"hour": 9, "minute": 45}
